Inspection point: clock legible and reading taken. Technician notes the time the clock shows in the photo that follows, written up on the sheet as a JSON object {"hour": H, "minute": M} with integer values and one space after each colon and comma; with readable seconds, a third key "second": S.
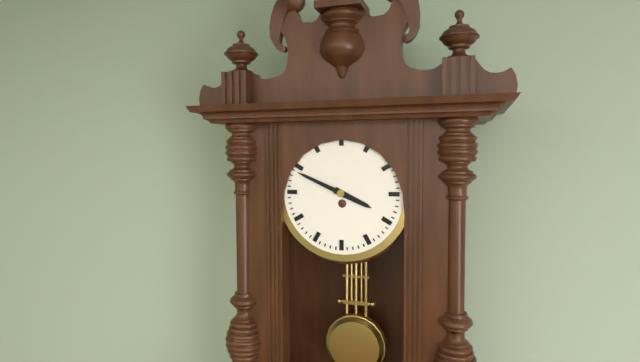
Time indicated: {"hour": 3, "minute": 49}
